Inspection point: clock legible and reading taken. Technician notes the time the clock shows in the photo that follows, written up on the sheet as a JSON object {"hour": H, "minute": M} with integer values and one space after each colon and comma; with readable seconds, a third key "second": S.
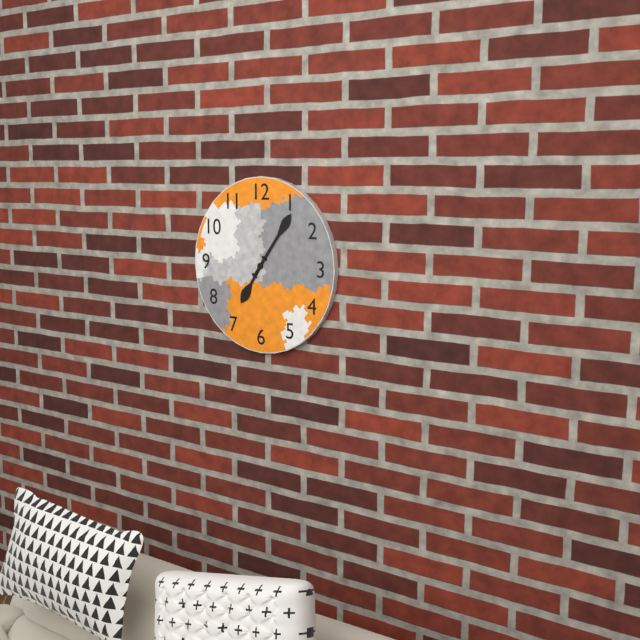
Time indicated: {"hour": 7, "minute": 6}
